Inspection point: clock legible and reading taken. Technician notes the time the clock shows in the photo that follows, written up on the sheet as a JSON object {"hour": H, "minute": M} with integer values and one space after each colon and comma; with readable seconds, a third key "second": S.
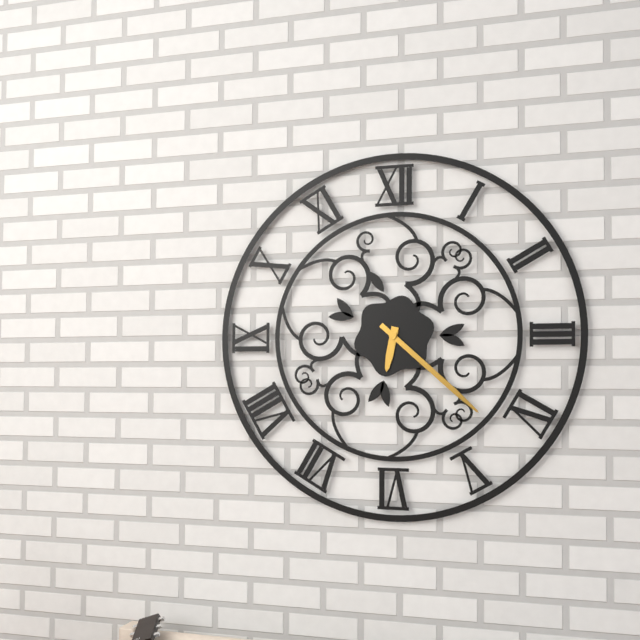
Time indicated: {"hour": 6, "minute": 22}
